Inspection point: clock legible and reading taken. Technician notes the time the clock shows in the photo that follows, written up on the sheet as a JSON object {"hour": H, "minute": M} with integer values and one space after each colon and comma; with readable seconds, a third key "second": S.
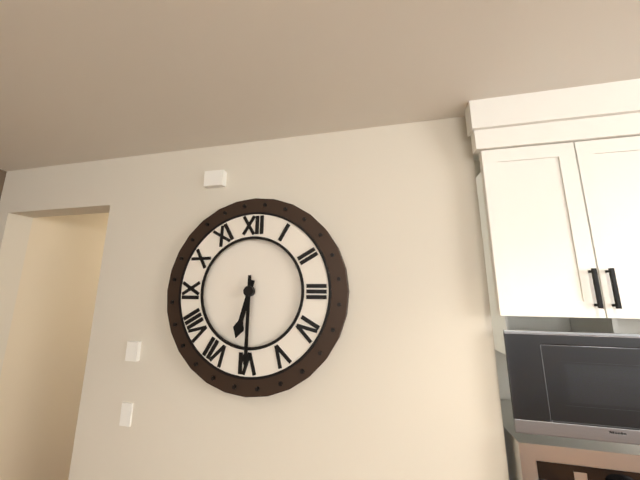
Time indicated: {"hour": 6, "minute": 30}
